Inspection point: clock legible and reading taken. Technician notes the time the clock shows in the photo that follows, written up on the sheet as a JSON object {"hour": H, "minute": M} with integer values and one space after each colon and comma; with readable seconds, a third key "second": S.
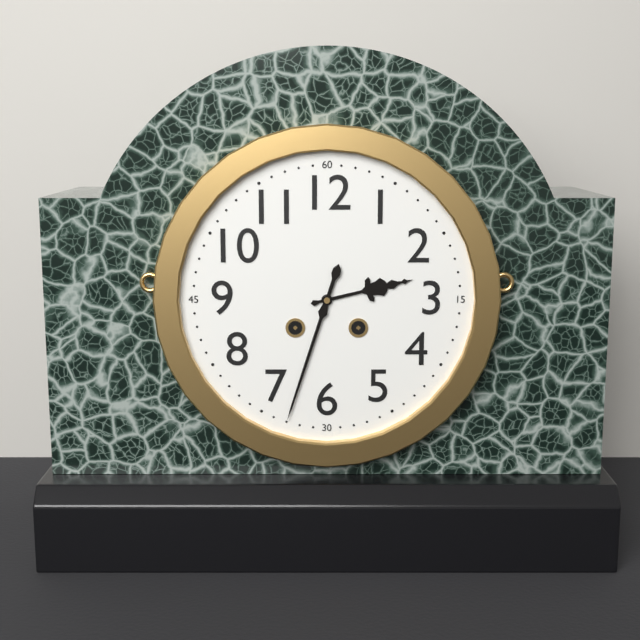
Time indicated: {"hour": 2, "minute": 33}
